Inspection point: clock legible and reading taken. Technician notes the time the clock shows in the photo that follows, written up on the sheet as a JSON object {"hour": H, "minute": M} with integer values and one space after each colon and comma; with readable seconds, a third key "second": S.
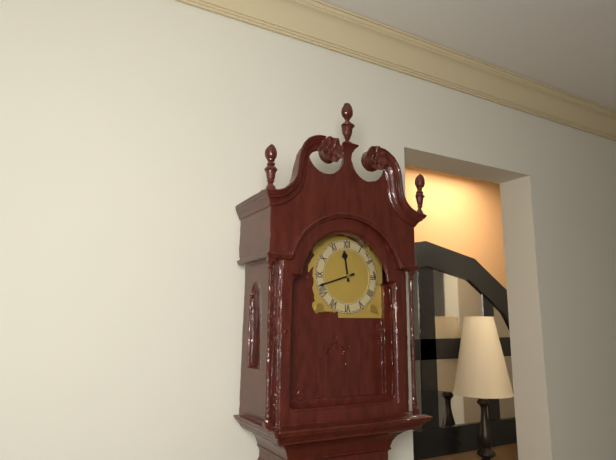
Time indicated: {"hour": 11, "minute": 42}
